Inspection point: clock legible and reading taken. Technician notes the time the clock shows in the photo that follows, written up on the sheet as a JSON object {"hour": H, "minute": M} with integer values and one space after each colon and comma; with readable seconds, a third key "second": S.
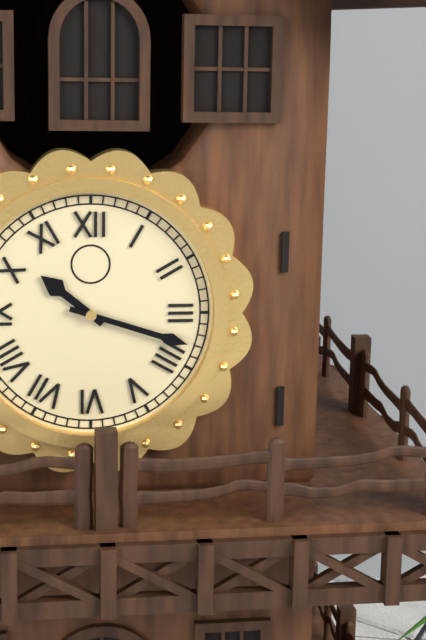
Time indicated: {"hour": 10, "minute": 18}
